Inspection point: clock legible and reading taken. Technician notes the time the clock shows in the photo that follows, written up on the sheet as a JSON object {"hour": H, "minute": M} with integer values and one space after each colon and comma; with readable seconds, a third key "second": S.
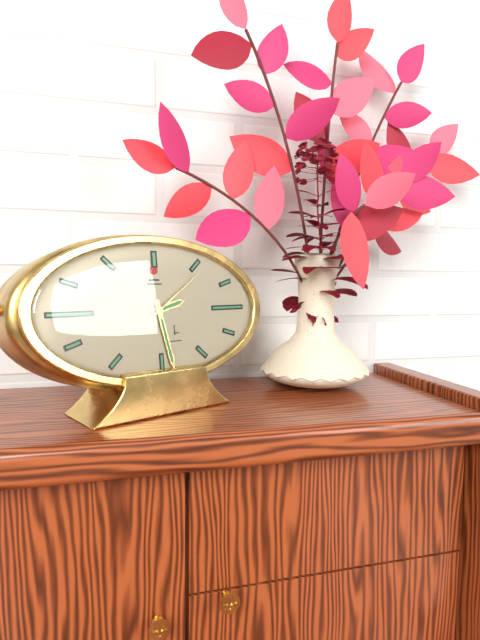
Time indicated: {"hour": 2, "minute": 28, "second": 9}
